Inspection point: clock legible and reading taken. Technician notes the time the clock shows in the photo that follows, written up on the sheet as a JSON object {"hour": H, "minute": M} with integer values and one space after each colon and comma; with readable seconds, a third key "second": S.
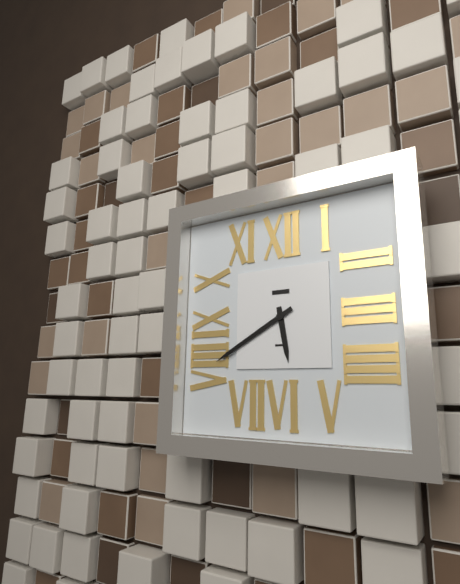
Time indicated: {"hour": 5, "minute": 40}
